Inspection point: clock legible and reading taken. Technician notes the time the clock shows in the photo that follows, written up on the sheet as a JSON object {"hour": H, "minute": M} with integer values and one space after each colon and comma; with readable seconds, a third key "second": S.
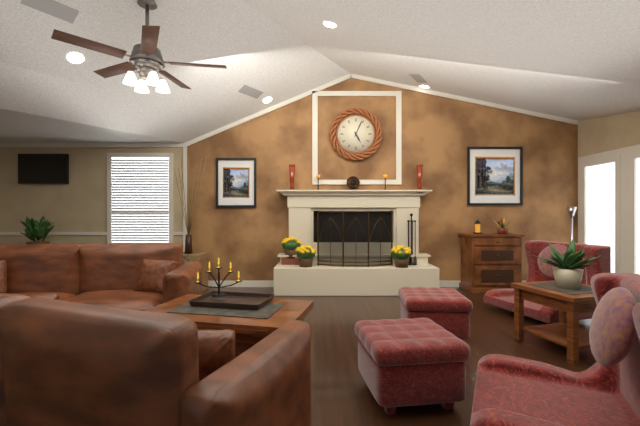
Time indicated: {"hour": 5, "minute": 4}
